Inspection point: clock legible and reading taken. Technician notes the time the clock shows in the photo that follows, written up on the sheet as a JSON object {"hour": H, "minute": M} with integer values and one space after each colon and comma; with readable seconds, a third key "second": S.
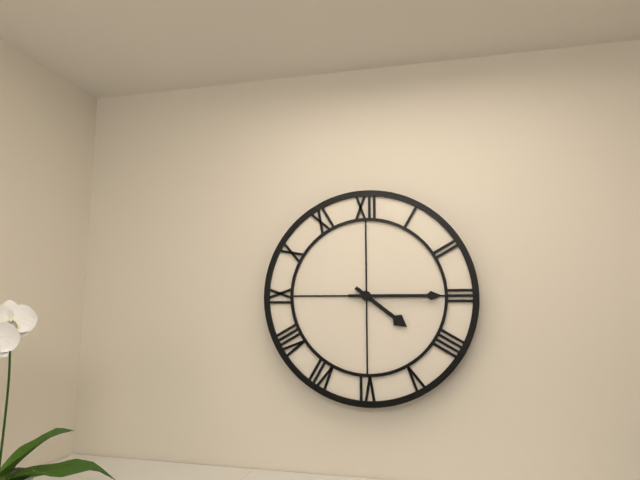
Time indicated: {"hour": 4, "minute": 15}
